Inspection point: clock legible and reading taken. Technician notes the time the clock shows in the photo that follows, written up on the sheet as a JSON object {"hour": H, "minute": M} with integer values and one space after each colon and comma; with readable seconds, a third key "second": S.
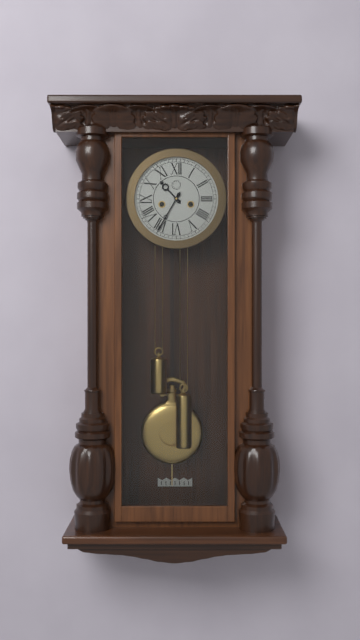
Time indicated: {"hour": 10, "minute": 35}
